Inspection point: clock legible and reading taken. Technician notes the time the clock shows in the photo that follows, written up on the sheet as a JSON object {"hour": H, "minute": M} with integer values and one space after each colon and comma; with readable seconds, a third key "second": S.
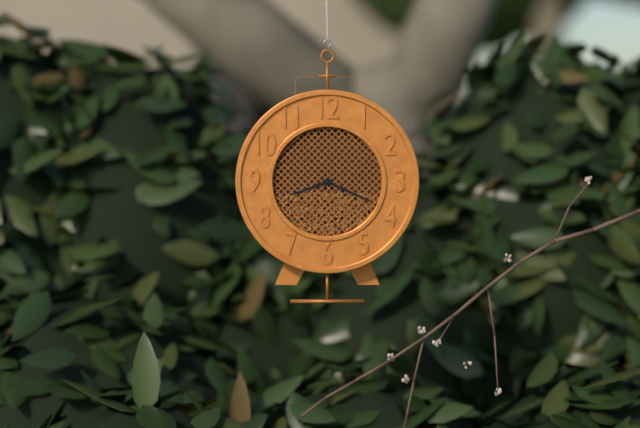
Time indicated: {"hour": 8, "minute": 19}
